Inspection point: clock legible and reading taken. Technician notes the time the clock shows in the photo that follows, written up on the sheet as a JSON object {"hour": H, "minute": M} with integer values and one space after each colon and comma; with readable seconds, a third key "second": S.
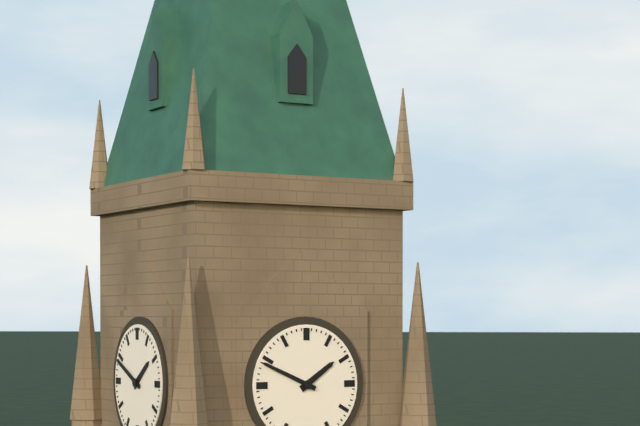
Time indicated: {"hour": 1, "minute": 49}
